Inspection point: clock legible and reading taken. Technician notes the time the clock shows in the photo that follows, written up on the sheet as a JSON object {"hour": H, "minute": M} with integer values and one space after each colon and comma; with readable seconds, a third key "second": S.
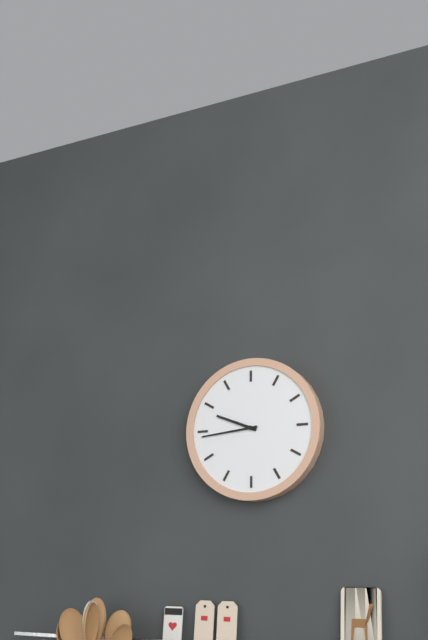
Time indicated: {"hour": 9, "minute": 44}
